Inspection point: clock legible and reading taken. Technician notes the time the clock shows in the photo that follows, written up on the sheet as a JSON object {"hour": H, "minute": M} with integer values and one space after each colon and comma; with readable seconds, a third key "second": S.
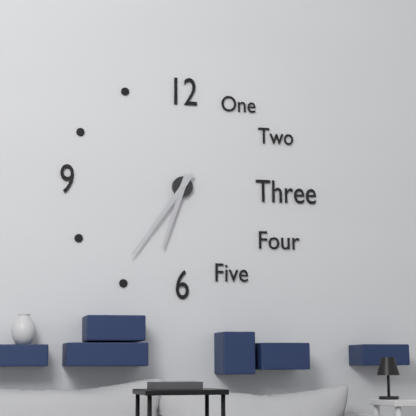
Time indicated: {"hour": 6, "minute": 36}
